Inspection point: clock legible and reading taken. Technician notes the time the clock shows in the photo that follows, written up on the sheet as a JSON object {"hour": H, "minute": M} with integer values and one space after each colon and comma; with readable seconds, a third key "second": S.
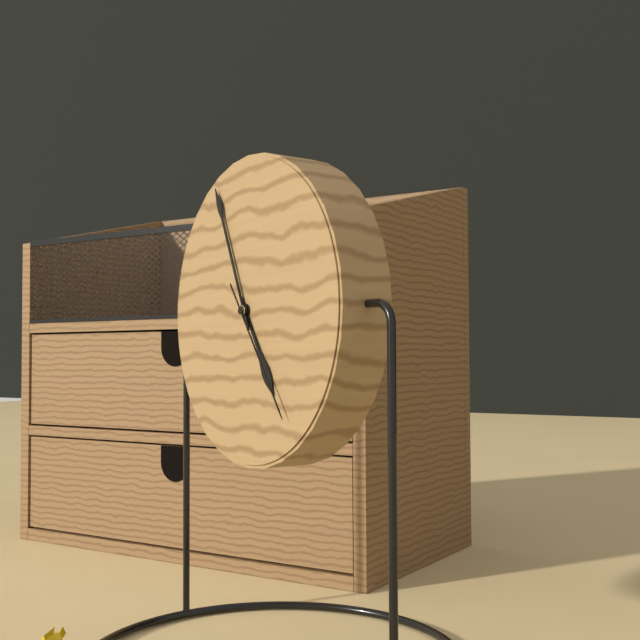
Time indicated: {"hour": 4, "minute": 56, "second": 24}
